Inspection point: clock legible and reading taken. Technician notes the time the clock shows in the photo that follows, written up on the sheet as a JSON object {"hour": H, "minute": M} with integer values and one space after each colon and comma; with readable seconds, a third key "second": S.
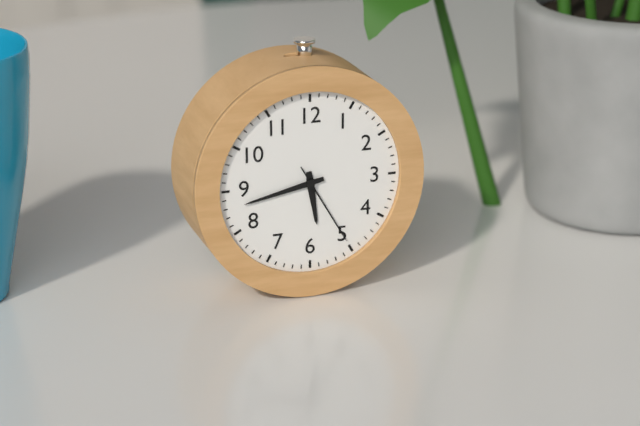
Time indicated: {"hour": 5, "minute": 43, "second": 25}
